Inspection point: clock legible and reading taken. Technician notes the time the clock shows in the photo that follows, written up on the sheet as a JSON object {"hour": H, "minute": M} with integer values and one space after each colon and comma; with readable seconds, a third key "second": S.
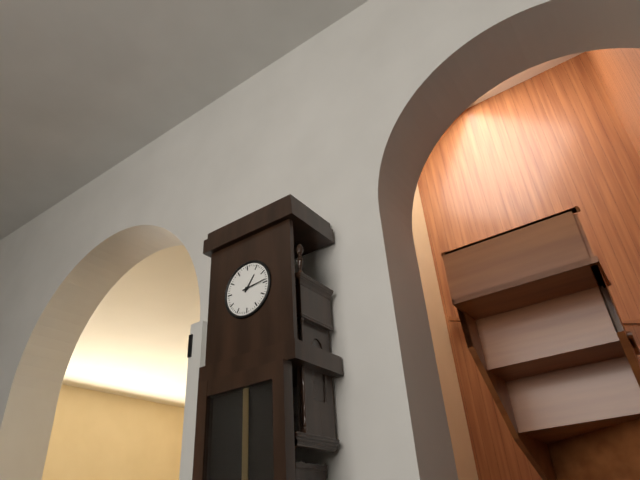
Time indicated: {"hour": 1, "minute": 14}
